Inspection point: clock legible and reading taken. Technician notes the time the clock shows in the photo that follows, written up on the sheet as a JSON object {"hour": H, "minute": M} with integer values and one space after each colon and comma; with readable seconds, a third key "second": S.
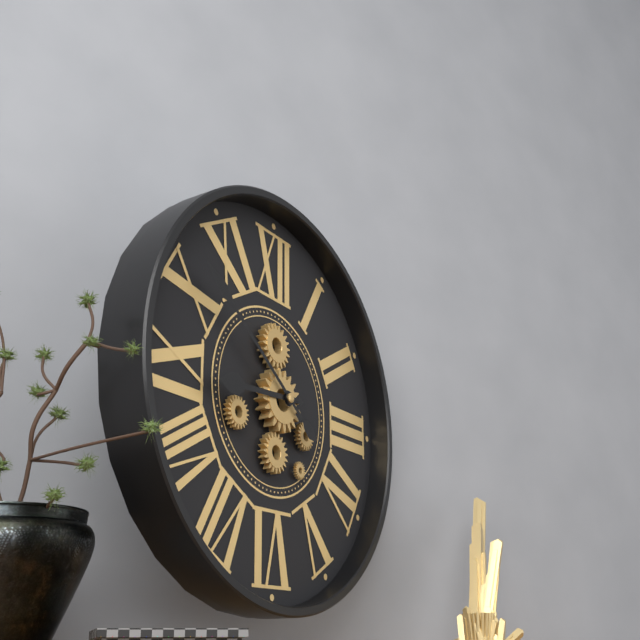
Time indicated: {"hour": 8, "minute": 51}
